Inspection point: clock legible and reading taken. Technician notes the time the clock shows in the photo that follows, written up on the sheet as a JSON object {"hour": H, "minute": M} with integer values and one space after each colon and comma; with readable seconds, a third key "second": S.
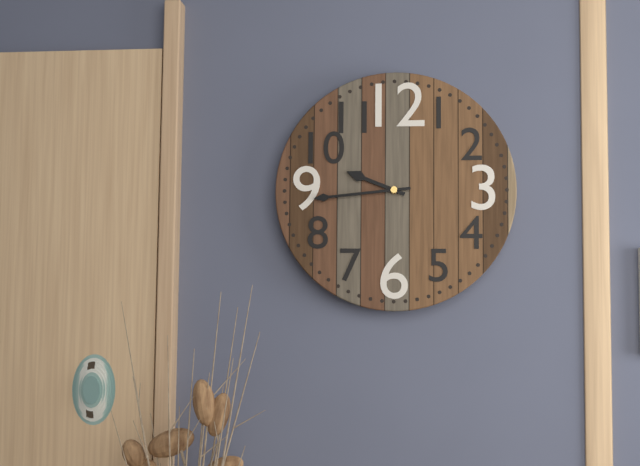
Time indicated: {"hour": 9, "minute": 44}
